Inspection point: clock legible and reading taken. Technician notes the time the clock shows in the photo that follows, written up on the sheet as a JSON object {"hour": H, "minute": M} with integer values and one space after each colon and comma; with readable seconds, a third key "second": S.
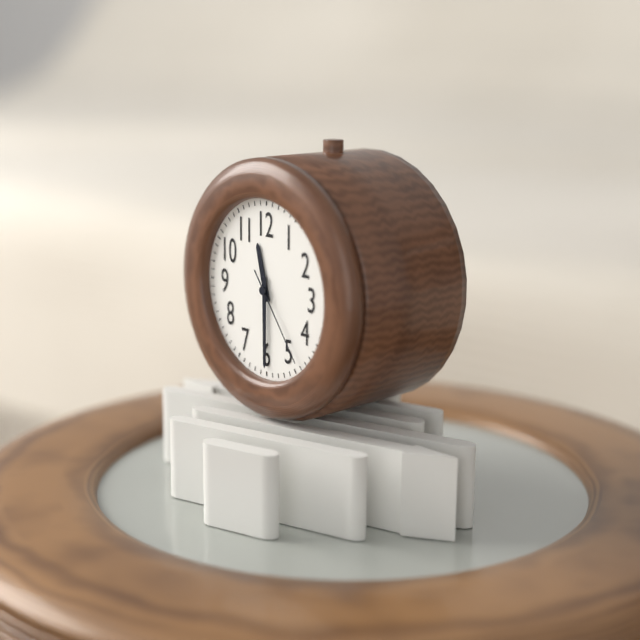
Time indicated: {"hour": 11, "minute": 30, "second": 24}
